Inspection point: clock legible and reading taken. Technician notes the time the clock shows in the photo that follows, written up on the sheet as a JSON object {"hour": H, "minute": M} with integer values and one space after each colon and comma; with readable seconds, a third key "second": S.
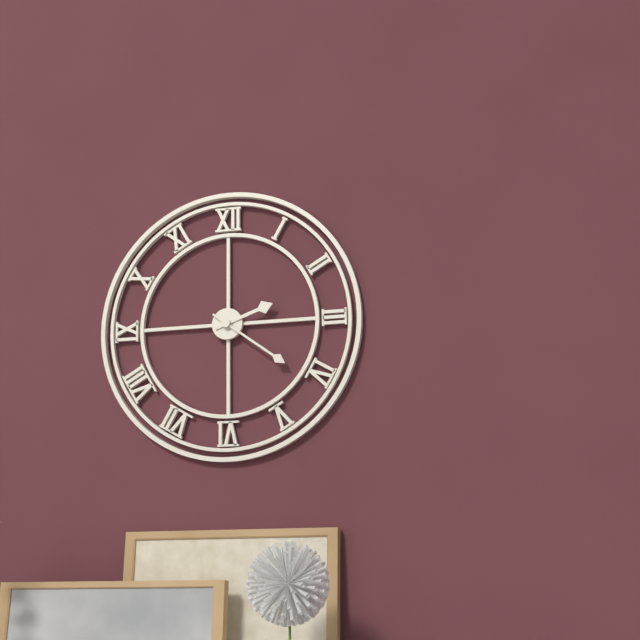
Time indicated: {"hour": 2, "minute": 21}
